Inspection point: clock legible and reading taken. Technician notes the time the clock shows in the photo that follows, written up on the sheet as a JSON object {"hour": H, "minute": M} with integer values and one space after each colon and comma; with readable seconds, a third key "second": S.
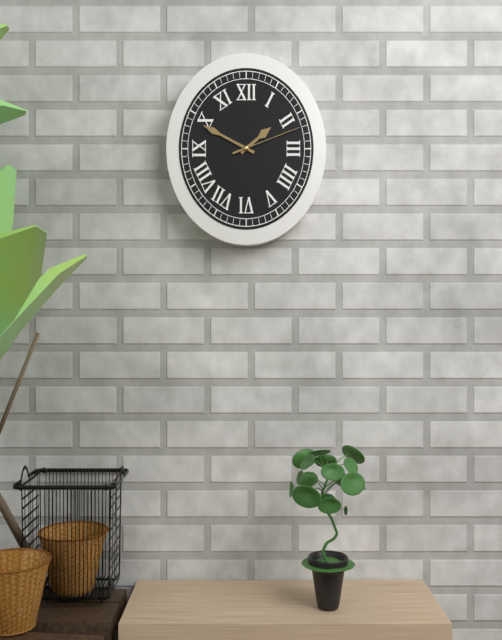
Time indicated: {"hour": 1, "minute": 49, "second": 12}
